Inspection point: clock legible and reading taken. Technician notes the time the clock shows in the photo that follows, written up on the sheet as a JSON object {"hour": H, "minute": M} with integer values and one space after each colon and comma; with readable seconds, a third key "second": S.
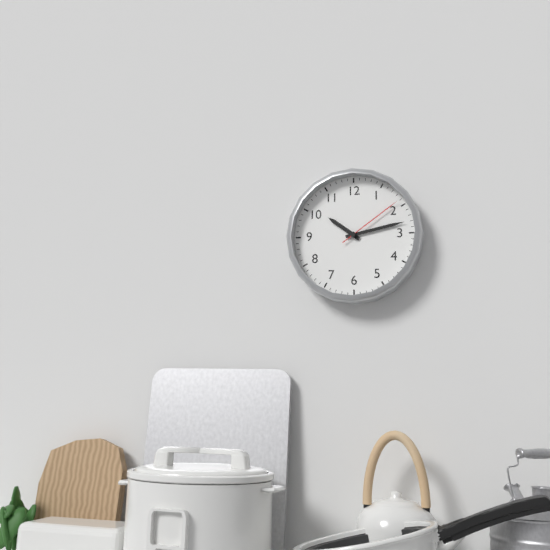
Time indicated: {"hour": 10, "minute": 13, "second": 9}
